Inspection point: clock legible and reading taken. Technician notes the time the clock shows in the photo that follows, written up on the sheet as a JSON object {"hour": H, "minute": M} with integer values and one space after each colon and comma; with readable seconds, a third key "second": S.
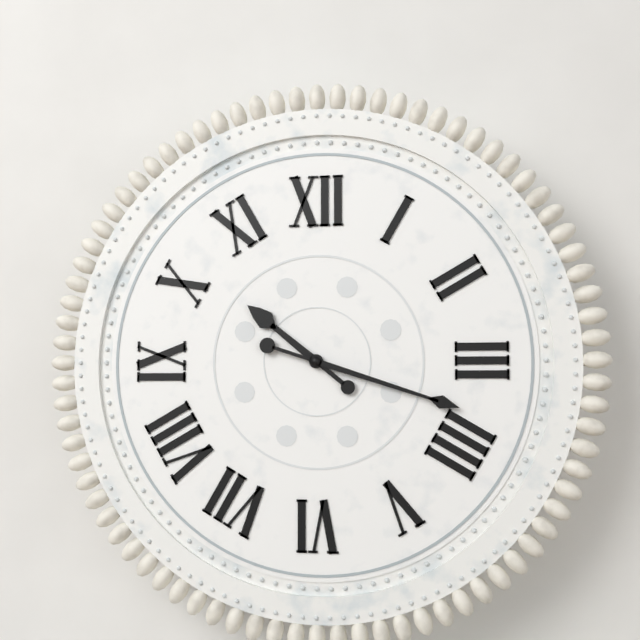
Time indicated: {"hour": 10, "minute": 18}
